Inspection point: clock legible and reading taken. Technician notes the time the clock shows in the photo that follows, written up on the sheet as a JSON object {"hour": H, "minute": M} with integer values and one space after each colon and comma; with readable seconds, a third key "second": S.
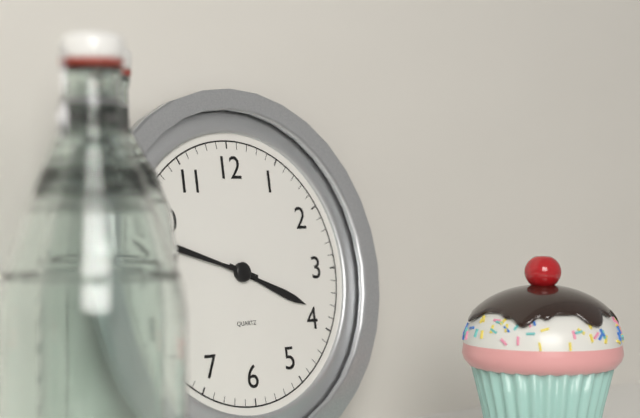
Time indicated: {"hour": 3, "minute": 48}
